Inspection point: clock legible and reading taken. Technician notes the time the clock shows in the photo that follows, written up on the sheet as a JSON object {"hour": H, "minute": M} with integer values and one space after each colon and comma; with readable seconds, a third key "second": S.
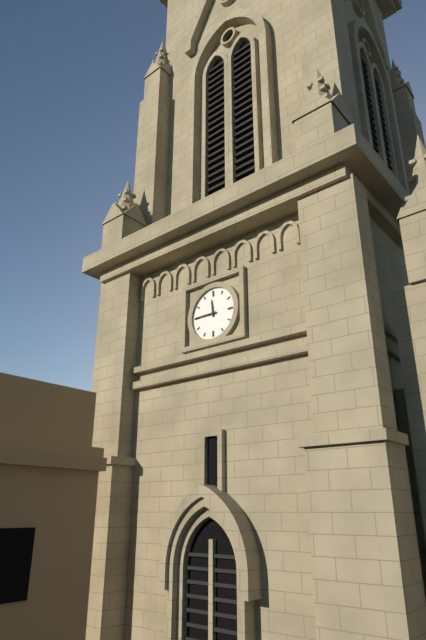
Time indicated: {"hour": 11, "minute": 45}
